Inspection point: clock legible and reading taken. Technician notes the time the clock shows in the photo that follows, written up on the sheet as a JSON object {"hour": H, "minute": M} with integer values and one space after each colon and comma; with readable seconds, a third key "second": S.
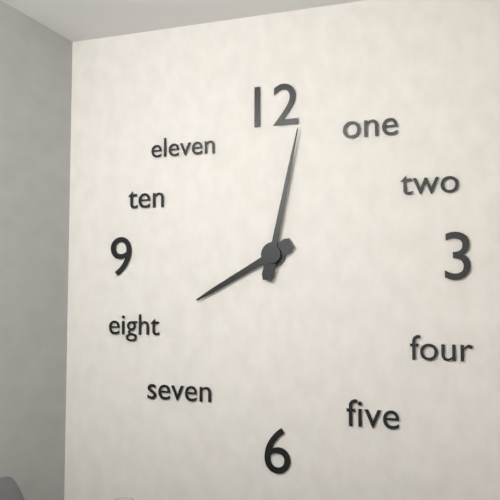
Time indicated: {"hour": 8, "minute": 2}
